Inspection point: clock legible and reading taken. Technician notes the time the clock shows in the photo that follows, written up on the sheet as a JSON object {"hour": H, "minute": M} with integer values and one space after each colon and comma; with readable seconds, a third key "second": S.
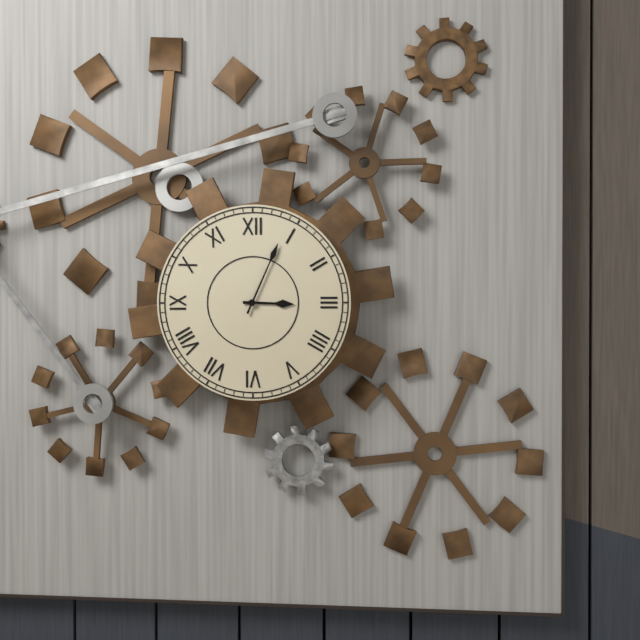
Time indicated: {"hour": 3, "minute": 4}
